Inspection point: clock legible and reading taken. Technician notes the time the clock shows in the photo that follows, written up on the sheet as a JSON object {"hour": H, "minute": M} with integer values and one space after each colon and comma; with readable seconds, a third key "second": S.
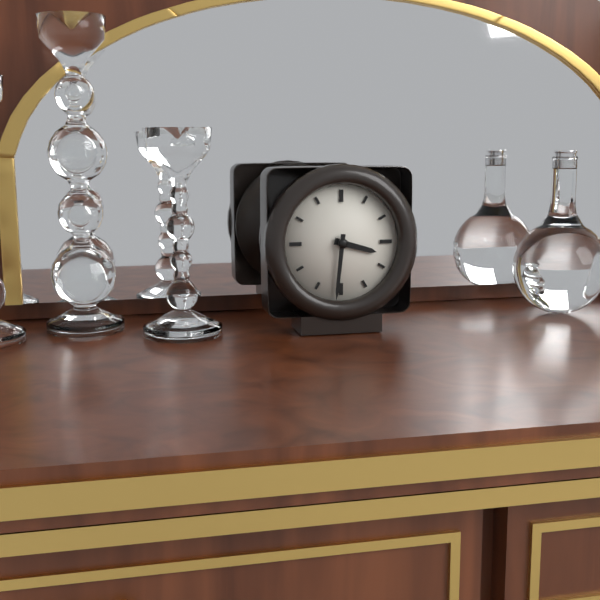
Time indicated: {"hour": 3, "minute": 31}
